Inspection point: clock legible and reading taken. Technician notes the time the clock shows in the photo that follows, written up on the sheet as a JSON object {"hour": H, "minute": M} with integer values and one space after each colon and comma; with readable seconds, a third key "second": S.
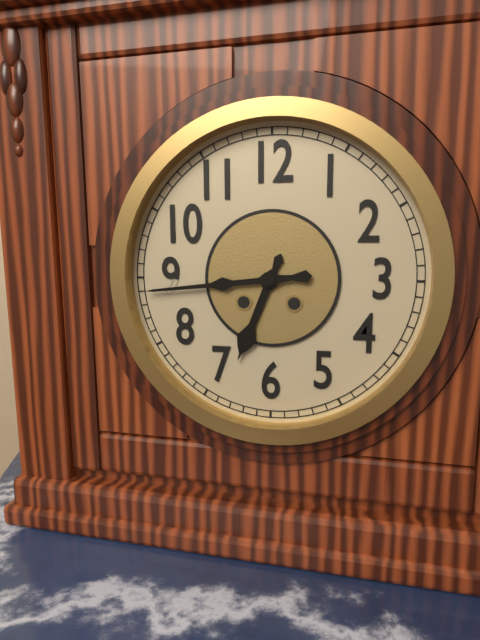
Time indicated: {"hour": 6, "minute": 44}
